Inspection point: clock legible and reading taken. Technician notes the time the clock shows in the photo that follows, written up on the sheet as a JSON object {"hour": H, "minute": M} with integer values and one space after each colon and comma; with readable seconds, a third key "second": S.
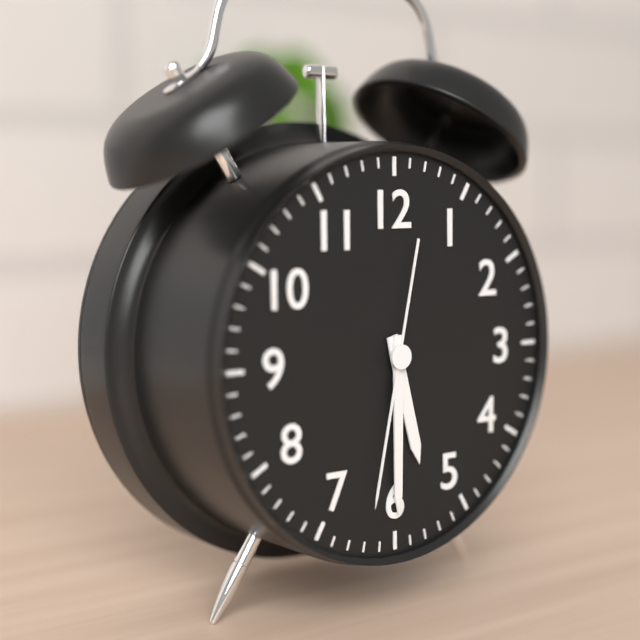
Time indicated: {"hour": 5, "minute": 30, "second": 32}
